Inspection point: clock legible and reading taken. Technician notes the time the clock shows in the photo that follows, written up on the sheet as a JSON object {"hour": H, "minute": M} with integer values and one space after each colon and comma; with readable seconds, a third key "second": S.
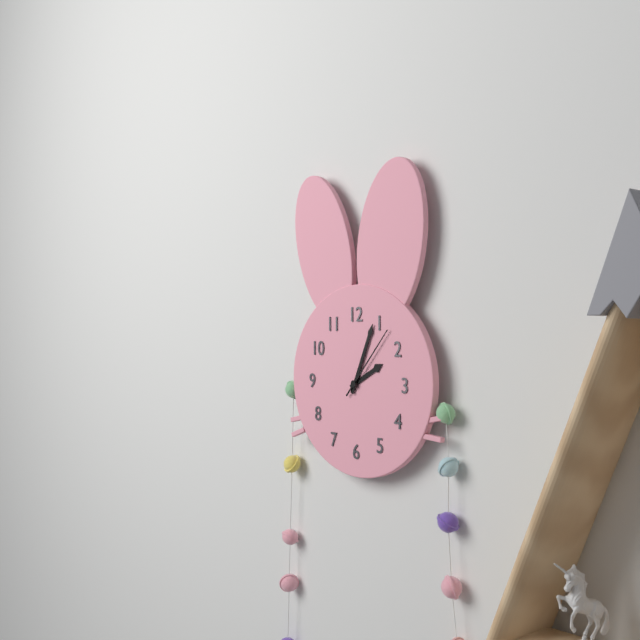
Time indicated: {"hour": 2, "minute": 4, "second": 7}
